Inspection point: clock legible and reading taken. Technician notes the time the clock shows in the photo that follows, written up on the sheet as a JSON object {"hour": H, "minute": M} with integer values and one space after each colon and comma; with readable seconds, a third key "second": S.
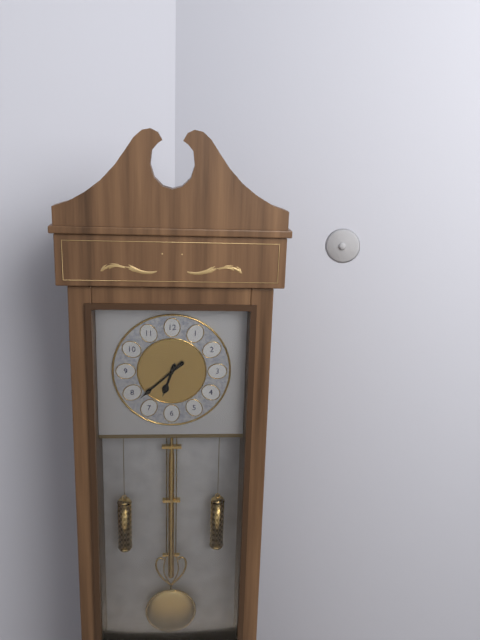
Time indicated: {"hour": 6, "minute": 38}
